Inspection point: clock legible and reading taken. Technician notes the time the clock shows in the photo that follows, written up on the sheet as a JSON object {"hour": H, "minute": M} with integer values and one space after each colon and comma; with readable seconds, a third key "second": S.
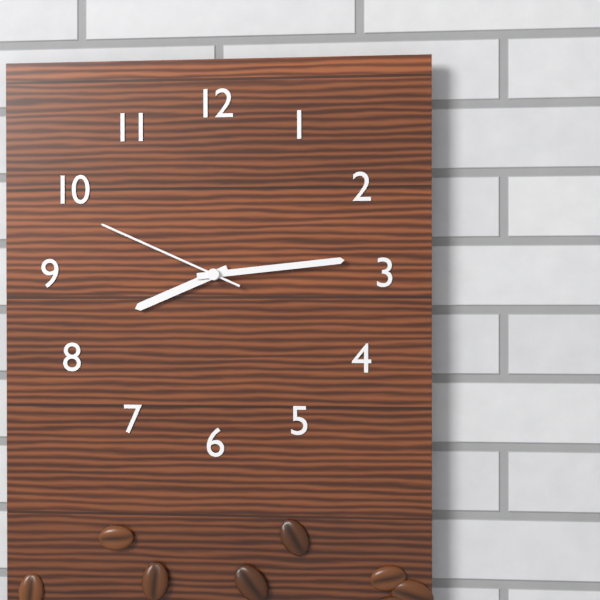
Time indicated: {"hour": 8, "minute": 14, "second": 49}
